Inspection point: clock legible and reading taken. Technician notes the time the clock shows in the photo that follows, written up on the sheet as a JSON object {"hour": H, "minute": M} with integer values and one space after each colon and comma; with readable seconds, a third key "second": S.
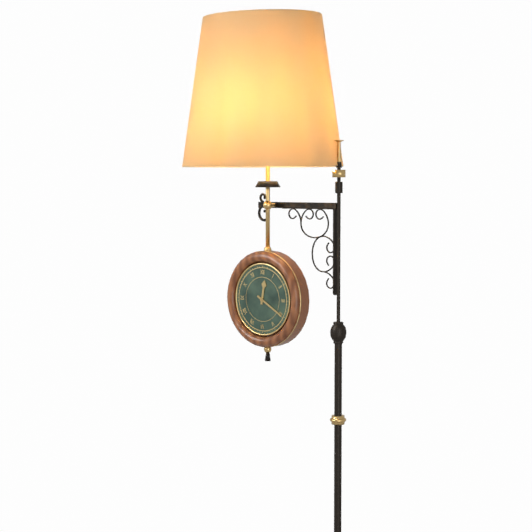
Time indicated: {"hour": 12, "minute": 20}
